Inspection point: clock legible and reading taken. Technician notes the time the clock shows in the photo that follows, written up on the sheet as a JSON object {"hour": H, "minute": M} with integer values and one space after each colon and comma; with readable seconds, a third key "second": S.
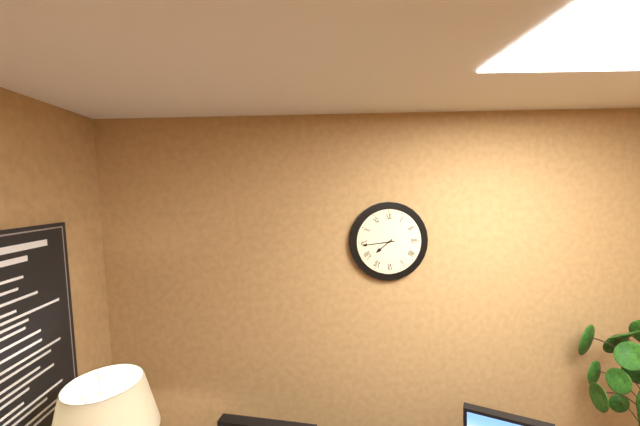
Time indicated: {"hour": 7, "minute": 44}
